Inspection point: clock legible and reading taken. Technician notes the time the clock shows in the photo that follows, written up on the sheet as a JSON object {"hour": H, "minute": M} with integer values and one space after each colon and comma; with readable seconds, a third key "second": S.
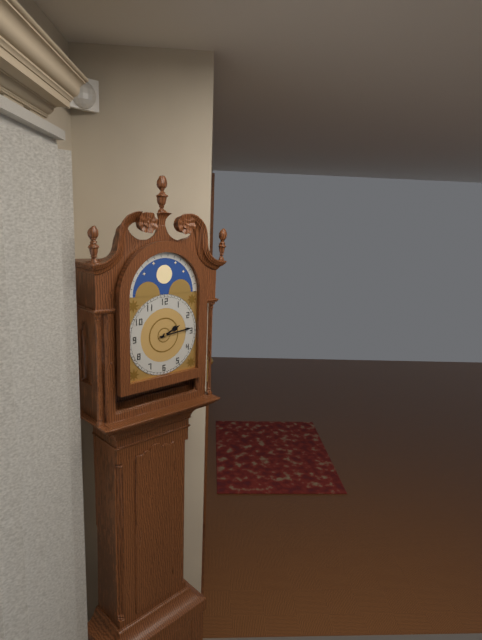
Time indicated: {"hour": 2, "minute": 14}
